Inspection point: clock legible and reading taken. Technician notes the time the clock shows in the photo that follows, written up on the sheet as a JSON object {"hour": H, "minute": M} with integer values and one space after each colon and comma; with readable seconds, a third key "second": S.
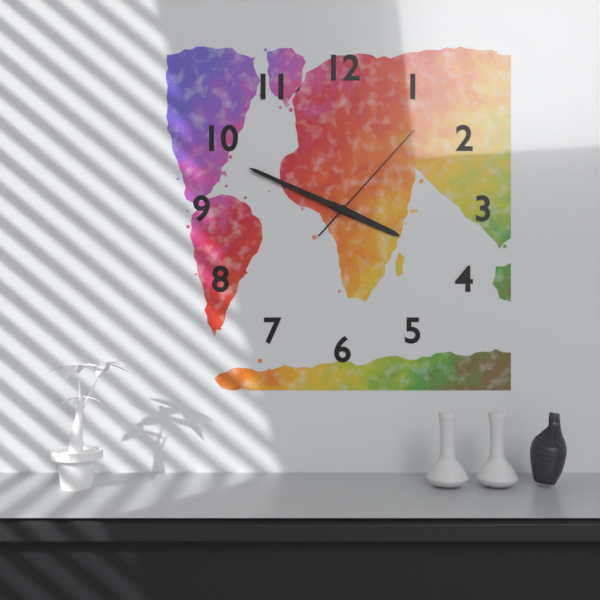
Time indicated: {"hour": 3, "minute": 49, "second": 7}
